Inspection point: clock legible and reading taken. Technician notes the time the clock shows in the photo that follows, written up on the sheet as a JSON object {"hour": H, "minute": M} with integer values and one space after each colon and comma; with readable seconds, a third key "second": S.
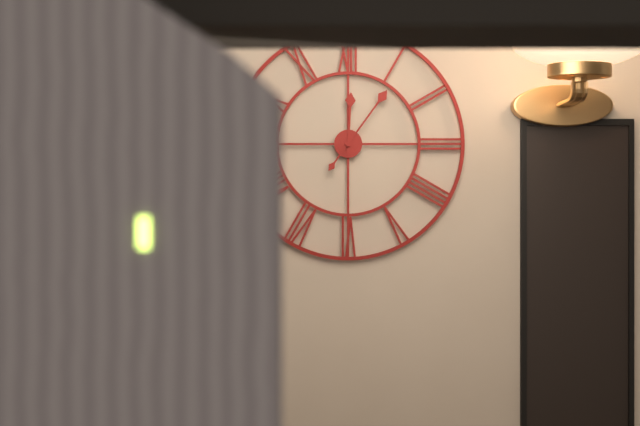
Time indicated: {"hour": 12, "minute": 6}
